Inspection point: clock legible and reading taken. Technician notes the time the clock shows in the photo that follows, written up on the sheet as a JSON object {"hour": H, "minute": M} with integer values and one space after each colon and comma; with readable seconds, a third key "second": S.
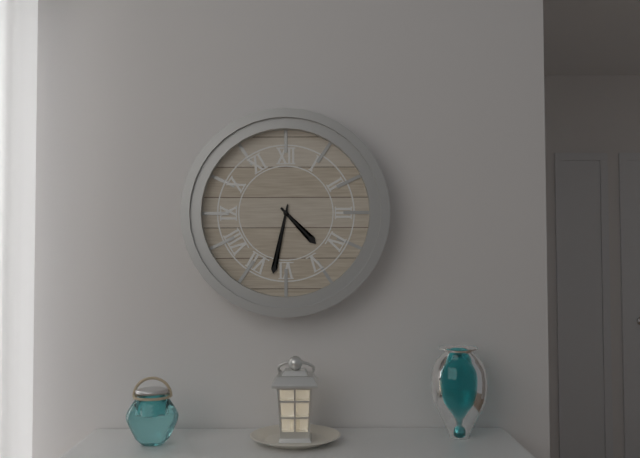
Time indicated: {"hour": 4, "minute": 32}
